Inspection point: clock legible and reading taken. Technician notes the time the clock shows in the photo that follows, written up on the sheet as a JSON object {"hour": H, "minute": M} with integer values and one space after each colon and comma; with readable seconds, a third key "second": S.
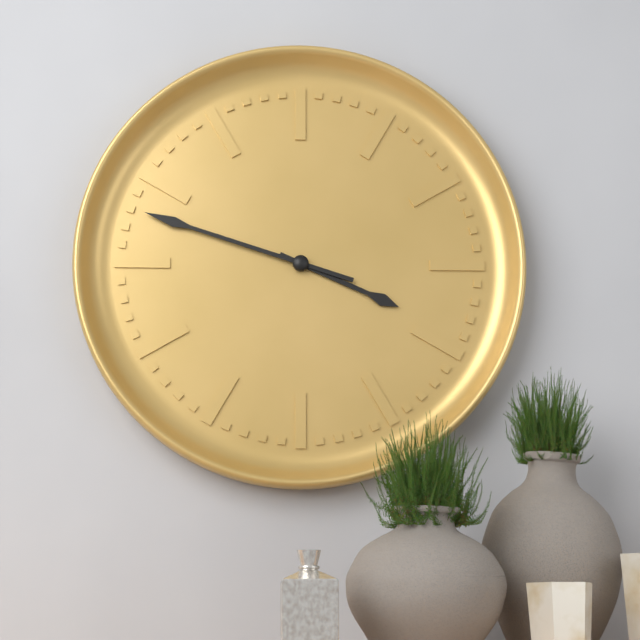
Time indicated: {"hour": 3, "minute": 48}
